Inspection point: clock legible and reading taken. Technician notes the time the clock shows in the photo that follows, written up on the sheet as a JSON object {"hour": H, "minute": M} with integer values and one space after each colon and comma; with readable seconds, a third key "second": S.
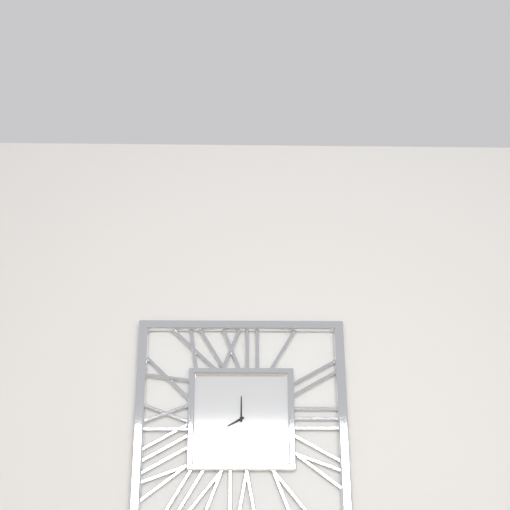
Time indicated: {"hour": 8, "minute": 0}
